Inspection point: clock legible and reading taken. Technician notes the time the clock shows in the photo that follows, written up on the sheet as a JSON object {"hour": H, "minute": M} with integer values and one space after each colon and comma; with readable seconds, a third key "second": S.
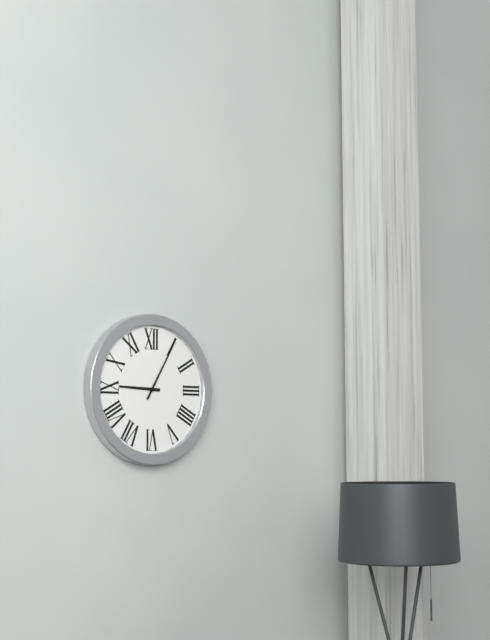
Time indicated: {"hour": 9, "minute": 5}
